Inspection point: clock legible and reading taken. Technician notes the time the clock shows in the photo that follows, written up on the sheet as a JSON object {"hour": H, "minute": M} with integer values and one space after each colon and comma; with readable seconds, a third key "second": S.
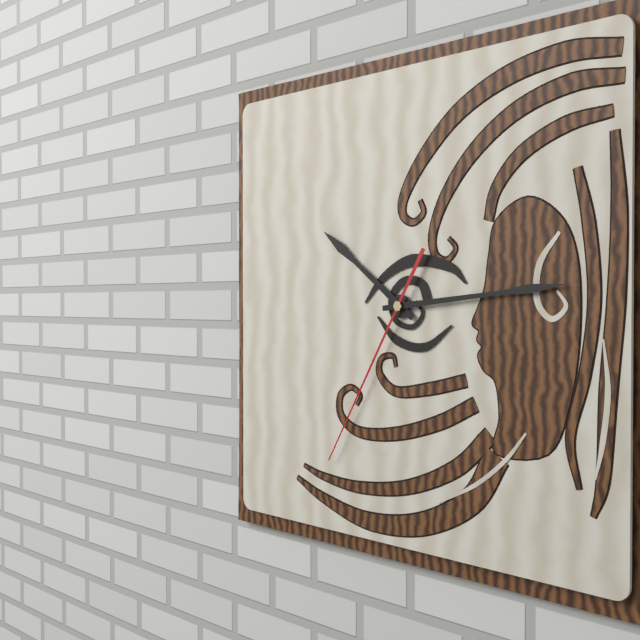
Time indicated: {"hour": 10, "minute": 14, "second": 35}
